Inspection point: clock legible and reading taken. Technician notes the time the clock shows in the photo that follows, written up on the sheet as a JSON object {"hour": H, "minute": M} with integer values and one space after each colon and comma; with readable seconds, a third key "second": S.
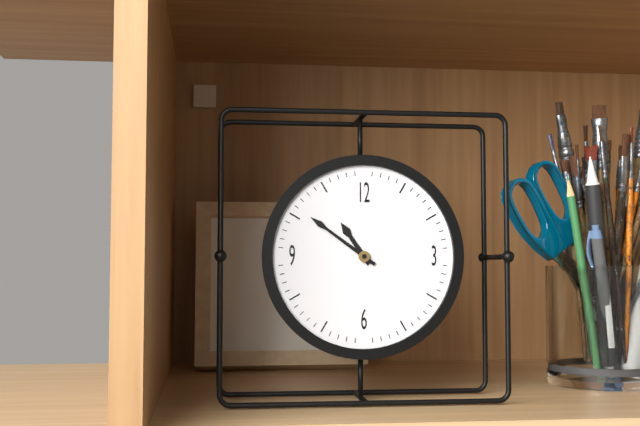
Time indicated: {"hour": 10, "minute": 51}
